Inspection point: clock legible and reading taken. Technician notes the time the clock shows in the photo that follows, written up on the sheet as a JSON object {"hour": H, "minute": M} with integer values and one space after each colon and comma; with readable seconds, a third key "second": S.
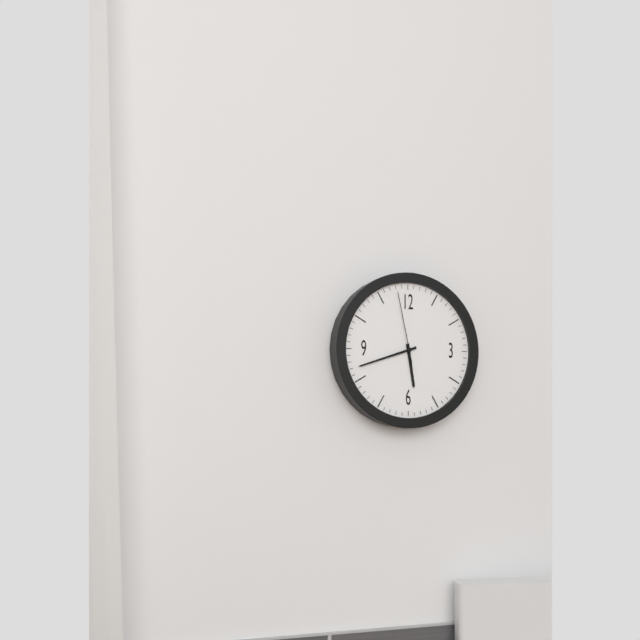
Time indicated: {"hour": 5, "minute": 42, "second": 58}
